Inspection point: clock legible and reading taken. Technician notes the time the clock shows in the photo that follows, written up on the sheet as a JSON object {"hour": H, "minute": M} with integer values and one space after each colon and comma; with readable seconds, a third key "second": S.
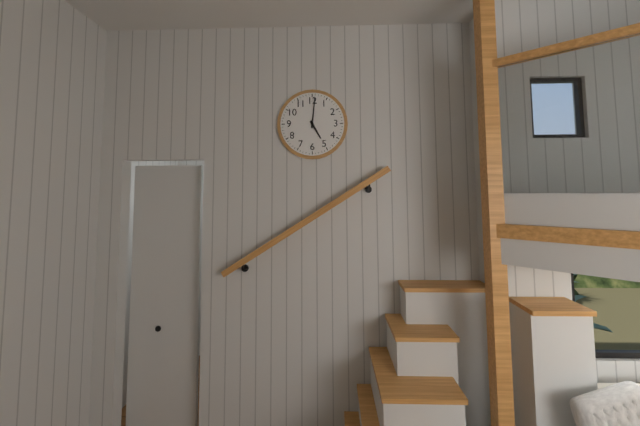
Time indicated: {"hour": 5, "minute": 1}
